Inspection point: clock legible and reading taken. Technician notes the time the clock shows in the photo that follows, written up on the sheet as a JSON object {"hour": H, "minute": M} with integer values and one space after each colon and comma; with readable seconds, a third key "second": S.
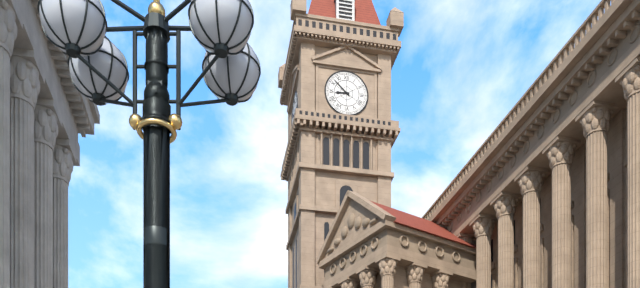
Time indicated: {"hour": 8, "minute": 52}
